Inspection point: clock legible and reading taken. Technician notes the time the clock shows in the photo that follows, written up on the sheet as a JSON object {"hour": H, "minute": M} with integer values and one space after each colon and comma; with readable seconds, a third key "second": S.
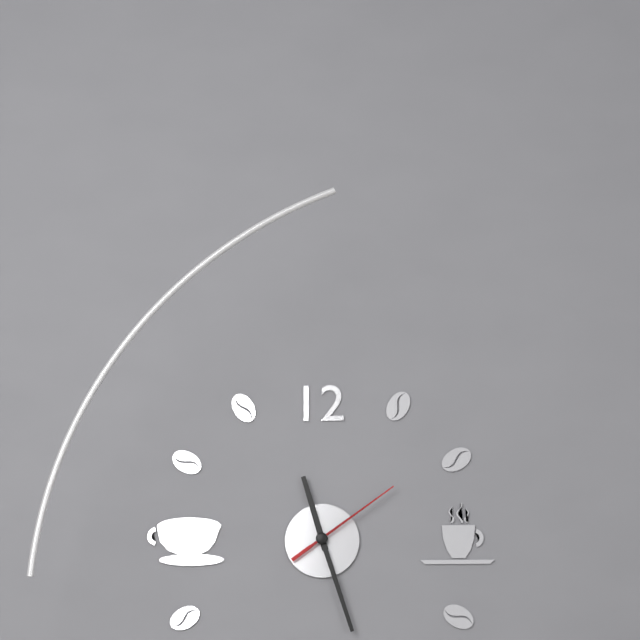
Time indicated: {"hour": 11, "minute": 27, "second": 9}
